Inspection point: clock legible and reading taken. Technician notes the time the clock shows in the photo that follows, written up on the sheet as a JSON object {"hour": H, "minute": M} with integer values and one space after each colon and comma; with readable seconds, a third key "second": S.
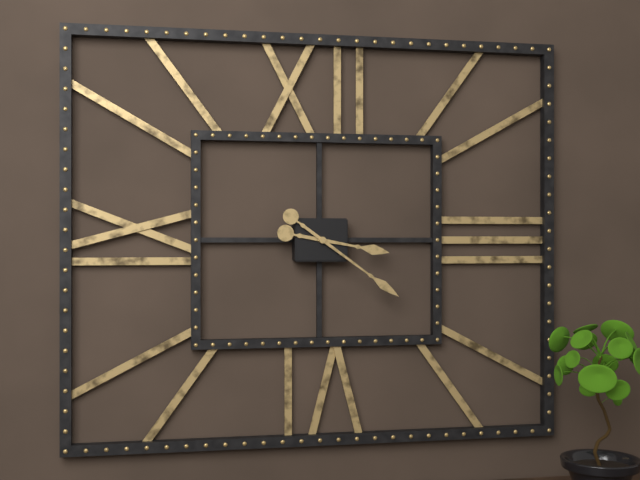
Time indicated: {"hour": 3, "minute": 21}
